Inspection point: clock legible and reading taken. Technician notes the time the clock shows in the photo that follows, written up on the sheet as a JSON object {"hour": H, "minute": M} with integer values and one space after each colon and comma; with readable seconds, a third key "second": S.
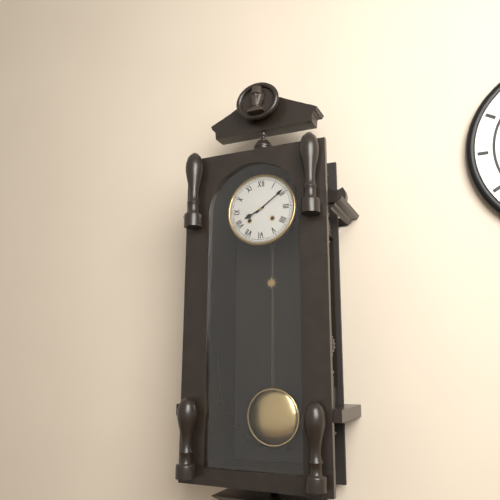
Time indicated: {"hour": 8, "minute": 9}
